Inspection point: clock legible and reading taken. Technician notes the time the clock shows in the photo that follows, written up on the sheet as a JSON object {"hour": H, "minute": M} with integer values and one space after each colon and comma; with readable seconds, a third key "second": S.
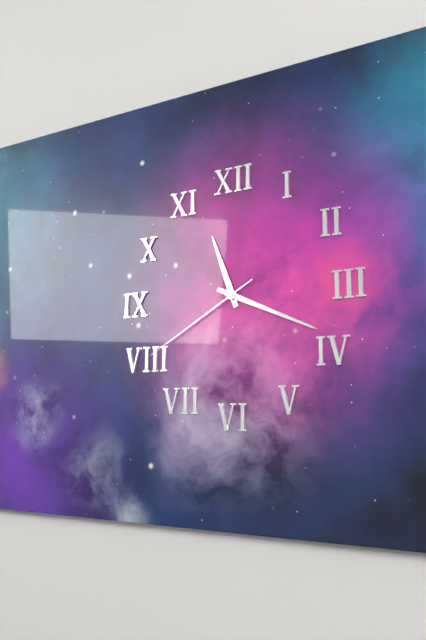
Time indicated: {"hour": 11, "minute": 19, "second": 40}
